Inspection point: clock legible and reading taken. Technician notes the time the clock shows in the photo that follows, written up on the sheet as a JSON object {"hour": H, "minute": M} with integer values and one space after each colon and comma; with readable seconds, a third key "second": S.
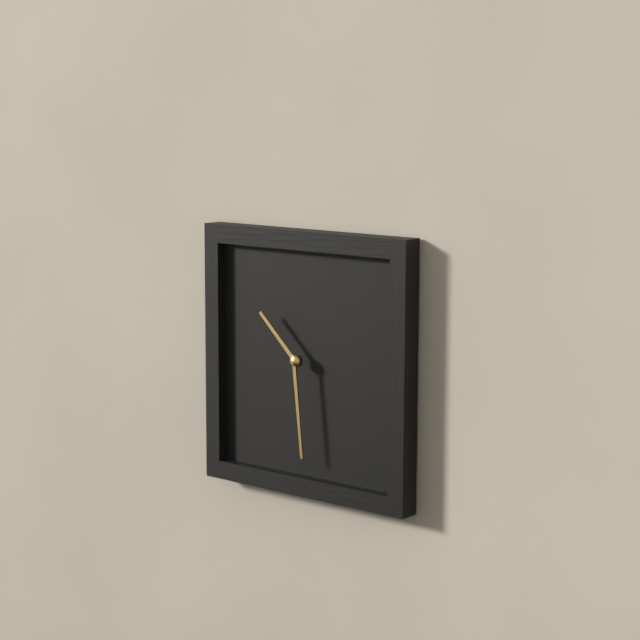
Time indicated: {"hour": 10, "minute": 29}
